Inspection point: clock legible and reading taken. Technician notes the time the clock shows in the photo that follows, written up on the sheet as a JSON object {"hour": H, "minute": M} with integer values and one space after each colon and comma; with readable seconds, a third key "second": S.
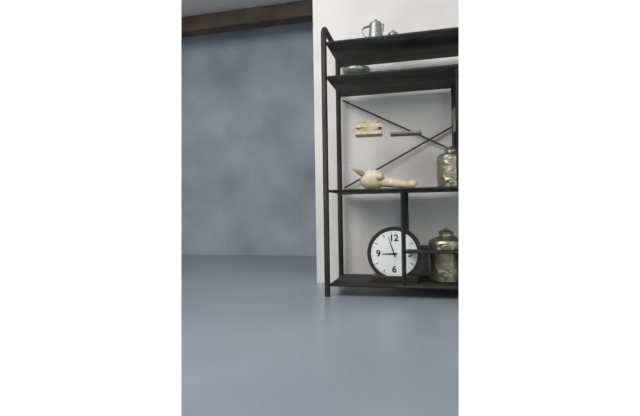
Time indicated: {"hour": 8, "minute": 57}
